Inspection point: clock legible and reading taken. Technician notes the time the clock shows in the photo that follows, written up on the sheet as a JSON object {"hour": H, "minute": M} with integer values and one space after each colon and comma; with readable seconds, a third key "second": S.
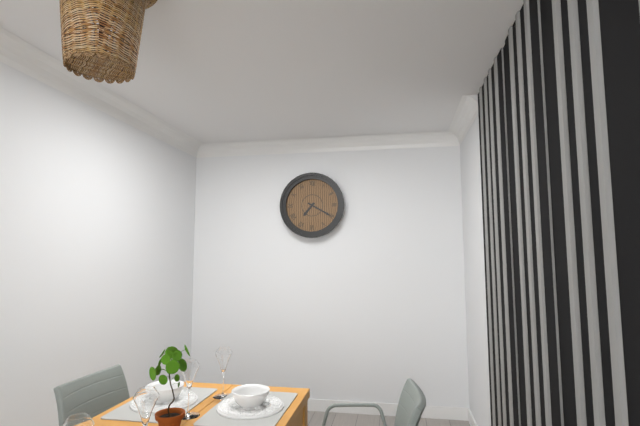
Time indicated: {"hour": 7, "minute": 20}
